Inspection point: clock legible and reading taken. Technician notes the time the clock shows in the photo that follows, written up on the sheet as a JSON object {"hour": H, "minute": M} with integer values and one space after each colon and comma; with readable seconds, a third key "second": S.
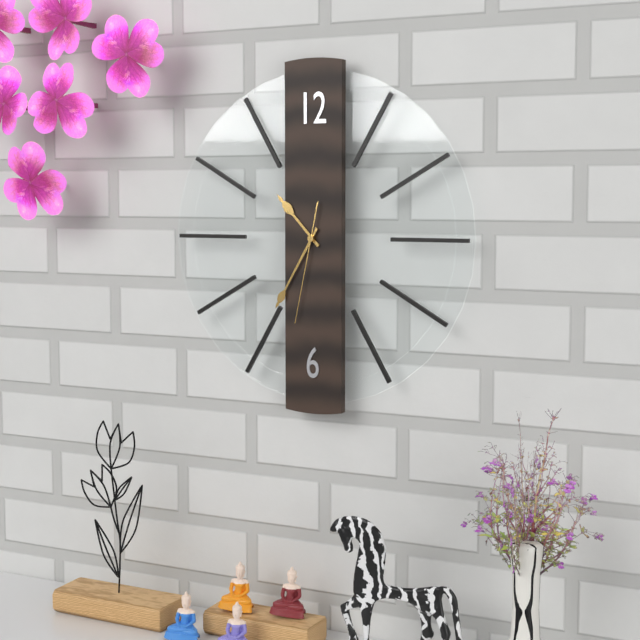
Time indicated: {"hour": 10, "minute": 35, "second": 32}
